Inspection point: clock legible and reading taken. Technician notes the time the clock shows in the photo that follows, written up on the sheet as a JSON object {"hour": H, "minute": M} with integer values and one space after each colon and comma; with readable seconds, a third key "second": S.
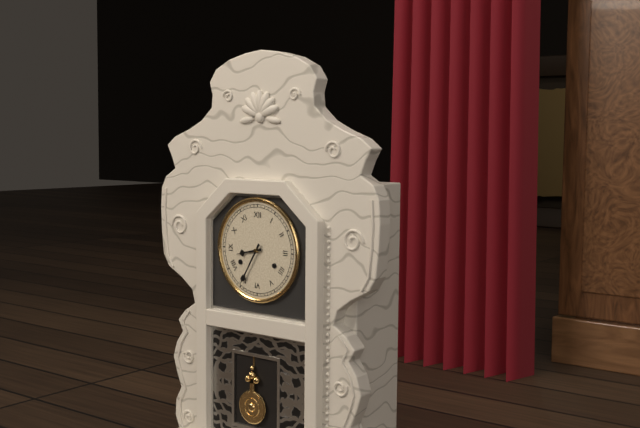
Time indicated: {"hour": 8, "minute": 35}
